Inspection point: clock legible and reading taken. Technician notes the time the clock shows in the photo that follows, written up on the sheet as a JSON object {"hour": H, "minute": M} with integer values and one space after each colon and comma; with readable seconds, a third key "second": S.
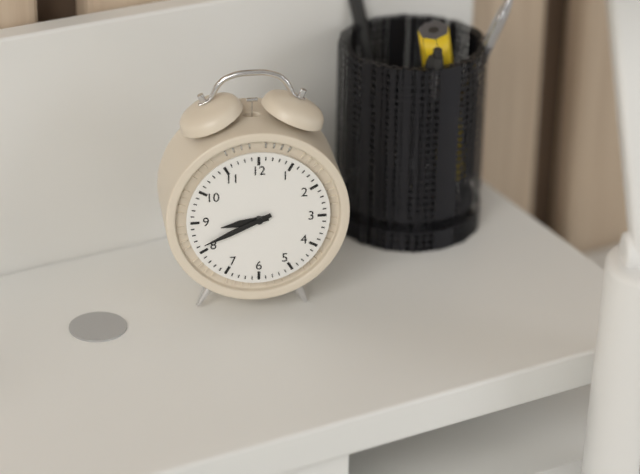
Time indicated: {"hour": 8, "minute": 41}
